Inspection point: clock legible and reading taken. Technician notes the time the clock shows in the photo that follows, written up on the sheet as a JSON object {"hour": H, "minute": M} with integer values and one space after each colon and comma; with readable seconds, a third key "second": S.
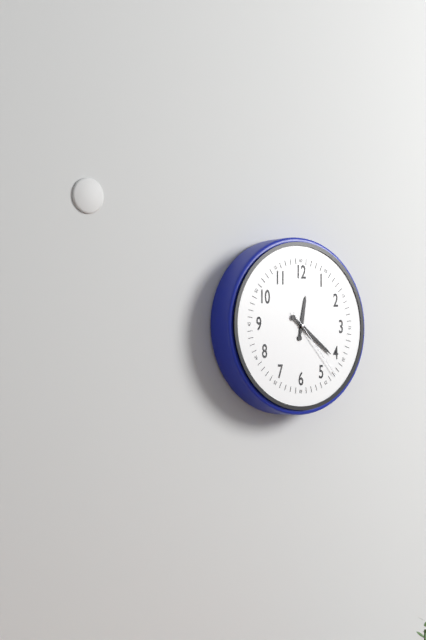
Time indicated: {"hour": 12, "minute": 21, "second": 23}
